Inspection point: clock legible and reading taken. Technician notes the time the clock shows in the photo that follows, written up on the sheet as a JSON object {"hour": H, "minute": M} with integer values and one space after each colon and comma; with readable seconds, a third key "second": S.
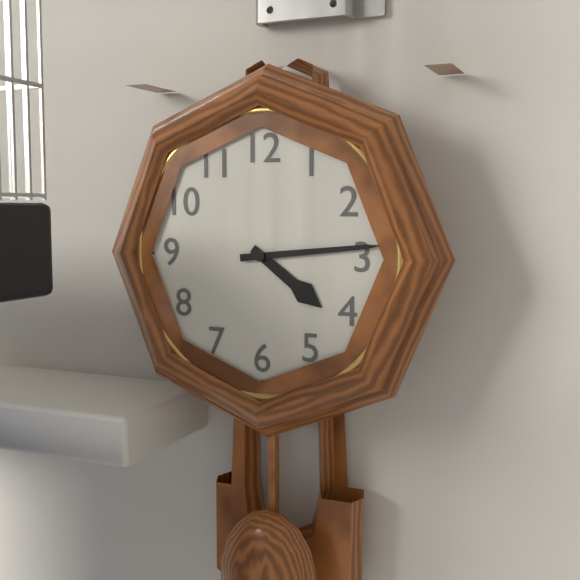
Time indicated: {"hour": 4, "minute": 14}
